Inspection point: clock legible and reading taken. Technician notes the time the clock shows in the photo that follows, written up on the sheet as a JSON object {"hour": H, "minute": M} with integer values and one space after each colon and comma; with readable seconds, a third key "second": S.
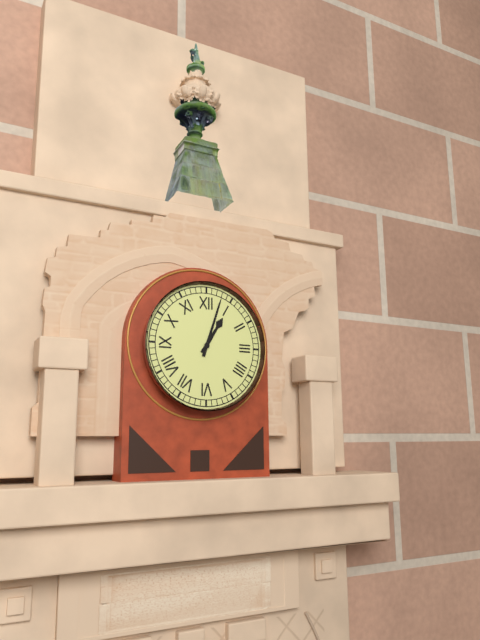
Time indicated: {"hour": 1, "minute": 3}
